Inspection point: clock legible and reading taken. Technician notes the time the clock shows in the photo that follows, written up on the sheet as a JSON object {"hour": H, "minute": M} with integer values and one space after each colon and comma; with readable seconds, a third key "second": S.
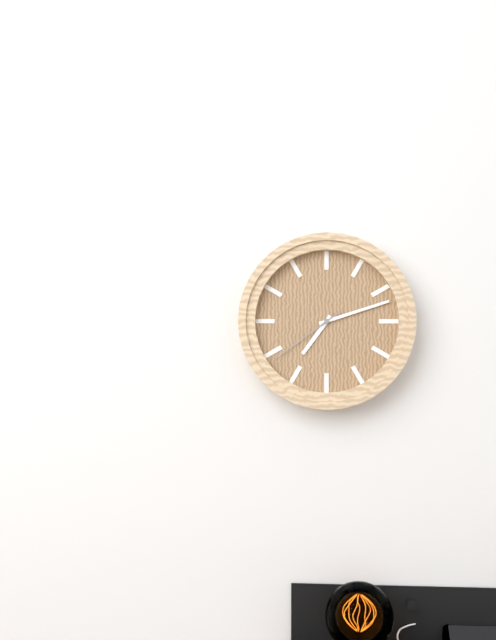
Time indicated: {"hour": 7, "minute": 12, "second": 39}
